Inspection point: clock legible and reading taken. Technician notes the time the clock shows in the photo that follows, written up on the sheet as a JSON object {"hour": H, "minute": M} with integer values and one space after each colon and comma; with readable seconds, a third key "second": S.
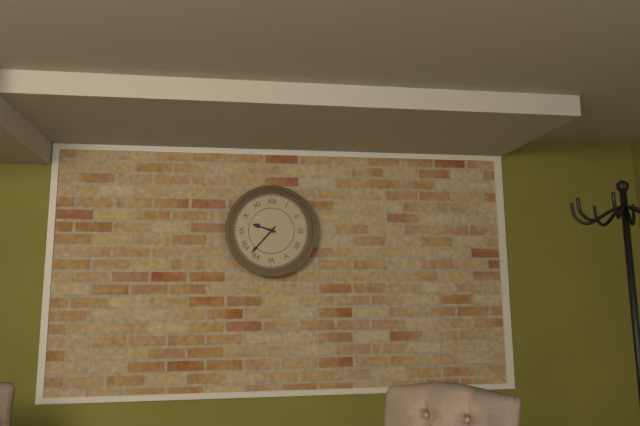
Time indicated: {"hour": 9, "minute": 37}
